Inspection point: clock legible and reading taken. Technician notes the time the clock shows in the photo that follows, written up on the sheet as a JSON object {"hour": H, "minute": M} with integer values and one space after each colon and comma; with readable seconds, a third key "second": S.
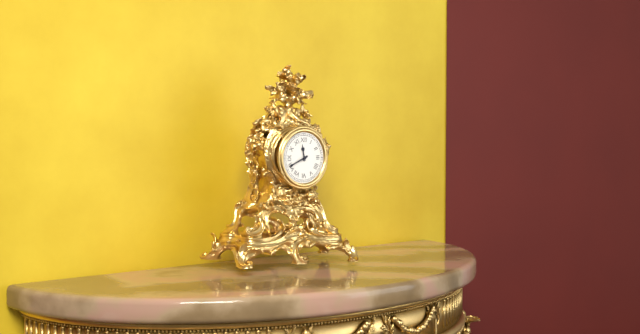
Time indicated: {"hour": 11, "minute": 41}
